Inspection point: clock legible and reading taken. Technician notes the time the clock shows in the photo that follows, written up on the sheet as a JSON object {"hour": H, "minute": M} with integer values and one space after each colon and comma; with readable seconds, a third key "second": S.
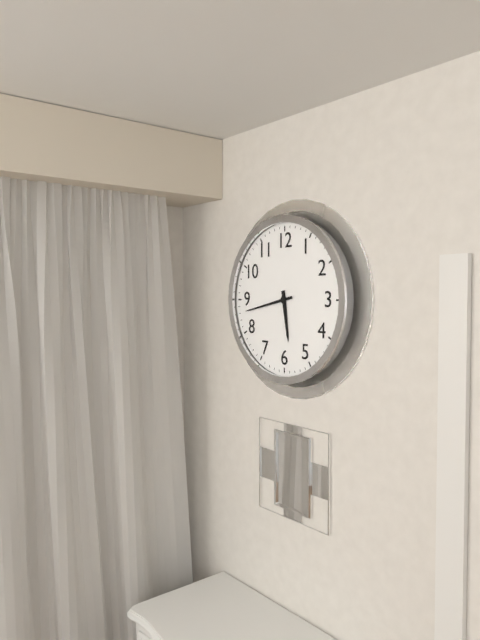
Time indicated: {"hour": 5, "minute": 43}
